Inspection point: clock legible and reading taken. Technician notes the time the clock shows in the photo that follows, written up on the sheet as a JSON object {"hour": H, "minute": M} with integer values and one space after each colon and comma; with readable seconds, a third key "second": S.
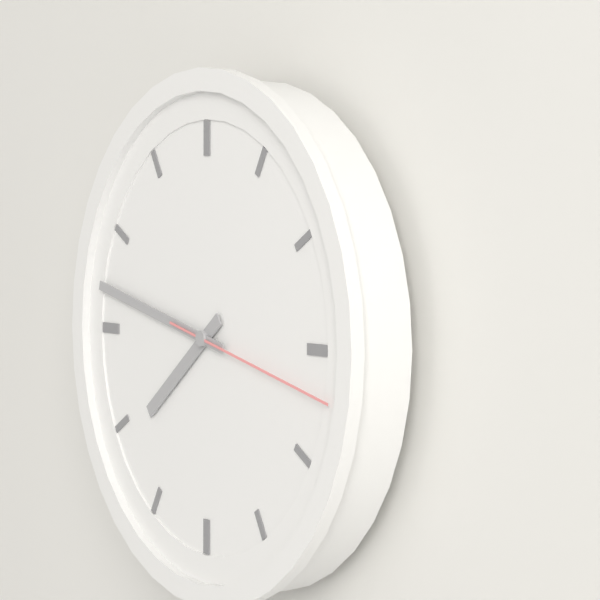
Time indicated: {"hour": 7, "minute": 47, "second": 17}
